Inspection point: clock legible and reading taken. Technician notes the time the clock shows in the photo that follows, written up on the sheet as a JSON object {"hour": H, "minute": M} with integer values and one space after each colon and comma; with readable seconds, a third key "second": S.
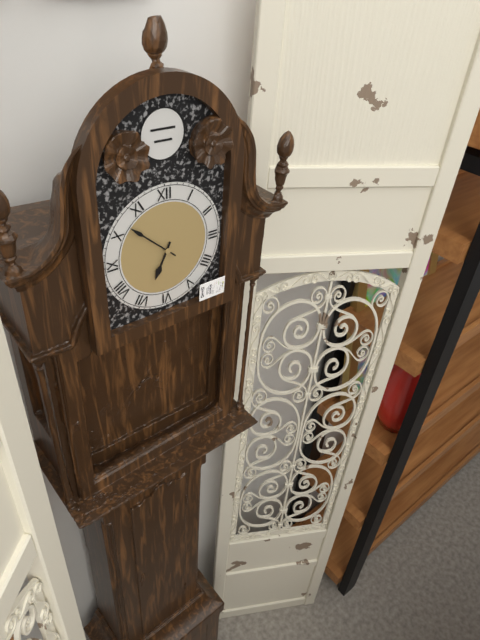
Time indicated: {"hour": 6, "minute": 52}
